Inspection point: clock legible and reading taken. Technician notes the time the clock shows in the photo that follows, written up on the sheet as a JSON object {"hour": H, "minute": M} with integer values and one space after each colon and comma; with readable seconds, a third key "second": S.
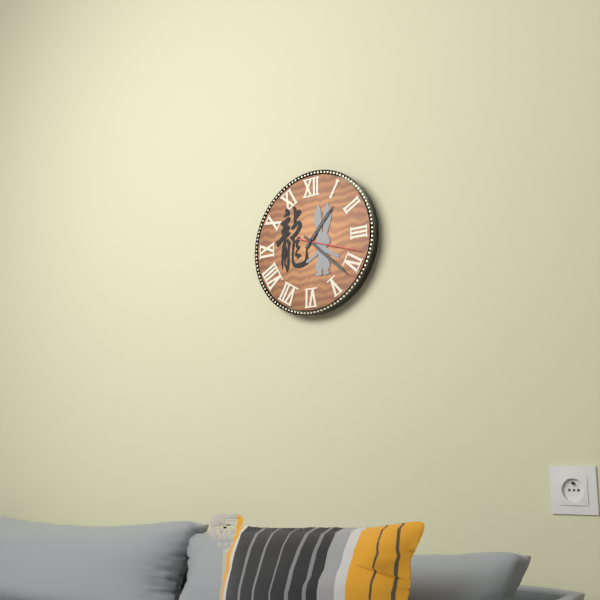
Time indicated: {"hour": 1, "minute": 22, "second": 18}
